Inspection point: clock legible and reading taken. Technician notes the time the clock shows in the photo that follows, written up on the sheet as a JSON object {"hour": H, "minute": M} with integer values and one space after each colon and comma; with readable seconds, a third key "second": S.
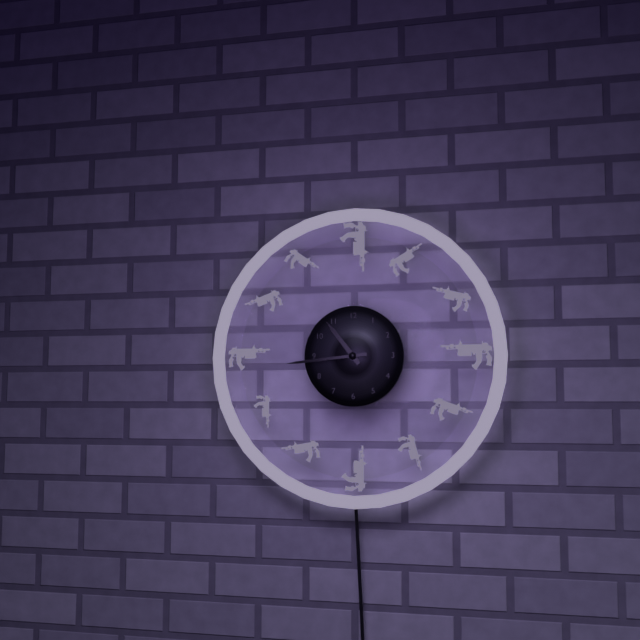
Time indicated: {"hour": 10, "minute": 44}
